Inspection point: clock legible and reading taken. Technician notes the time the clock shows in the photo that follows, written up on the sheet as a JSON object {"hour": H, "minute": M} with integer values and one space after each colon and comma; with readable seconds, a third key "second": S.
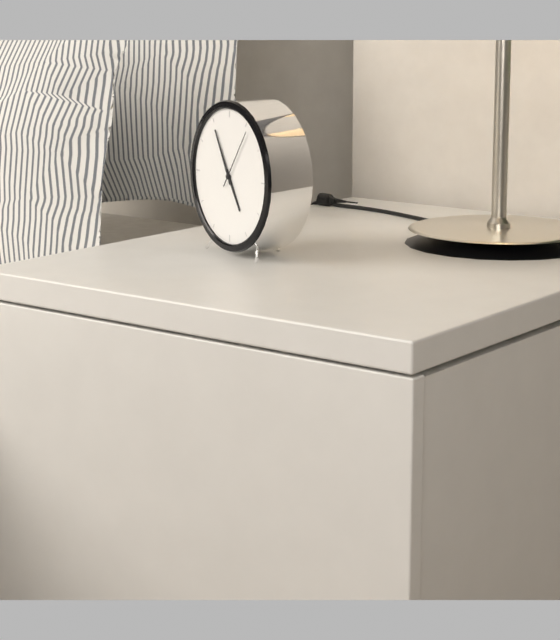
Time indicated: {"hour": 4, "minute": 55, "second": 6}
